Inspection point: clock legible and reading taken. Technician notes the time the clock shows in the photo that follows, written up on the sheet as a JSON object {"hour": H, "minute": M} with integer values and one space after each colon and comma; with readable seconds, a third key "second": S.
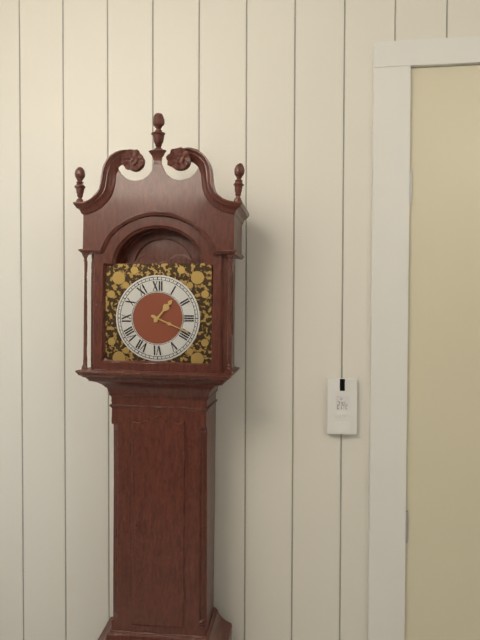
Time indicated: {"hour": 1, "minute": 19}
